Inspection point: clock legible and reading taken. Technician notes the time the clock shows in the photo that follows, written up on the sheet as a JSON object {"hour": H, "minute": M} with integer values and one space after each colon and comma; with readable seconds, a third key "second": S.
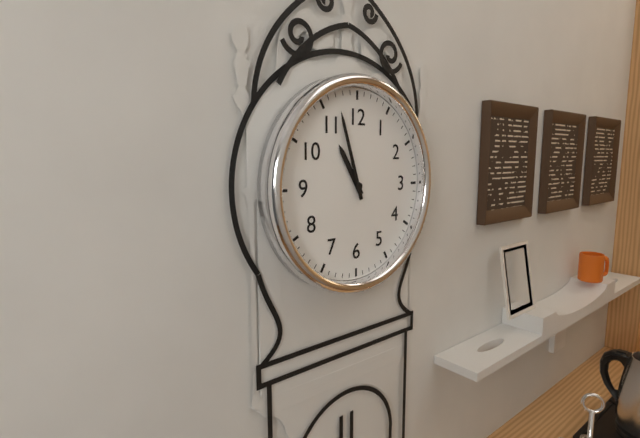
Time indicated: {"hour": 10, "minute": 57}
